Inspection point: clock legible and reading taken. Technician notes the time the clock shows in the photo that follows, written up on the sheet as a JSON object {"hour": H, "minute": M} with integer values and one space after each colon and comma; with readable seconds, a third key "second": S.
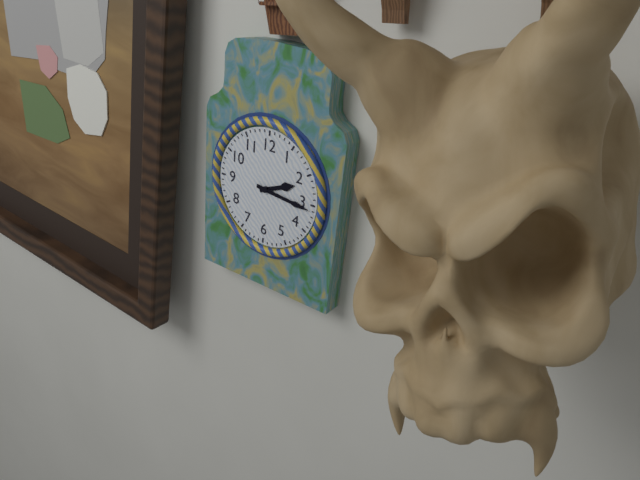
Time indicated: {"hour": 2, "minute": 16}
